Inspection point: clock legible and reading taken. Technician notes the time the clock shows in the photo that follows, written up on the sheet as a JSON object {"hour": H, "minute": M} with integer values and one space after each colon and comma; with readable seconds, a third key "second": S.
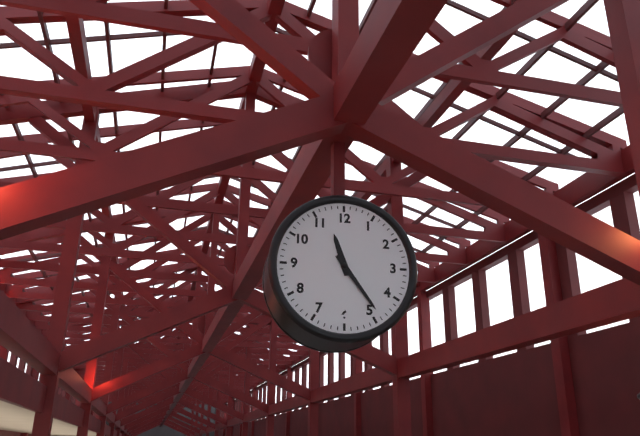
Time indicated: {"hour": 11, "minute": 24}
